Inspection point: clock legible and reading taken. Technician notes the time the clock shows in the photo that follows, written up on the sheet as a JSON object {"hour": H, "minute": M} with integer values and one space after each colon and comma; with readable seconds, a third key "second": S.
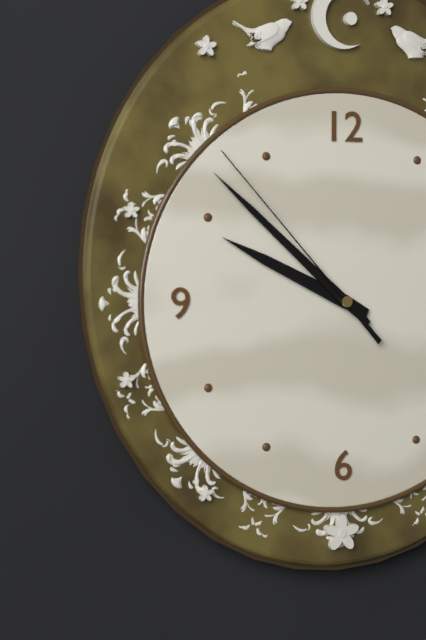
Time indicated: {"hour": 9, "minute": 52, "second": 53}
